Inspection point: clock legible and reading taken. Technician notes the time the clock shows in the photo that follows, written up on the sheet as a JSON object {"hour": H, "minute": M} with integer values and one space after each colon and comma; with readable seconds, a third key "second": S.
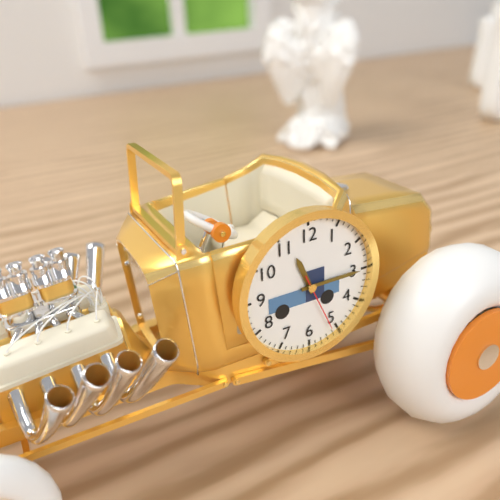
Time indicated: {"hour": 11, "minute": 15, "second": 26}
